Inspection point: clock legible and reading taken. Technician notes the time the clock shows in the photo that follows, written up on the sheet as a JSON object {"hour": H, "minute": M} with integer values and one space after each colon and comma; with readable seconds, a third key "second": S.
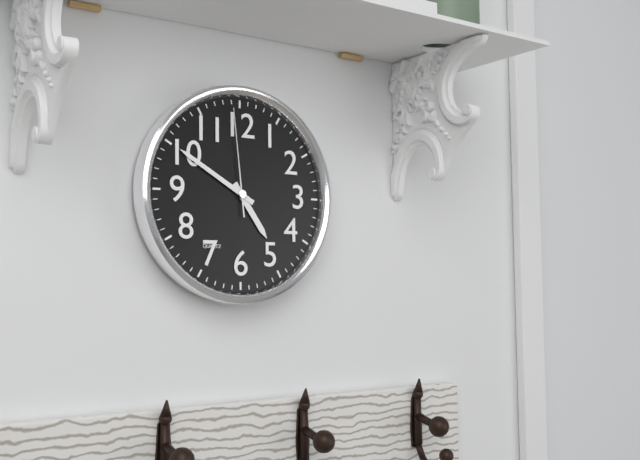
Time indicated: {"hour": 4, "minute": 50, "second": 59}
